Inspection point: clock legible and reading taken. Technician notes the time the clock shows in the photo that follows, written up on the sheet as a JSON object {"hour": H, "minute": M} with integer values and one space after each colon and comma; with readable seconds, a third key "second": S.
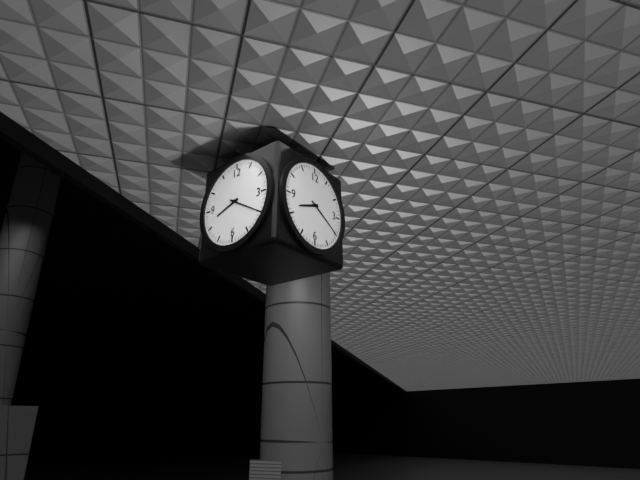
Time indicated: {"hour": 8, "minute": 20}
